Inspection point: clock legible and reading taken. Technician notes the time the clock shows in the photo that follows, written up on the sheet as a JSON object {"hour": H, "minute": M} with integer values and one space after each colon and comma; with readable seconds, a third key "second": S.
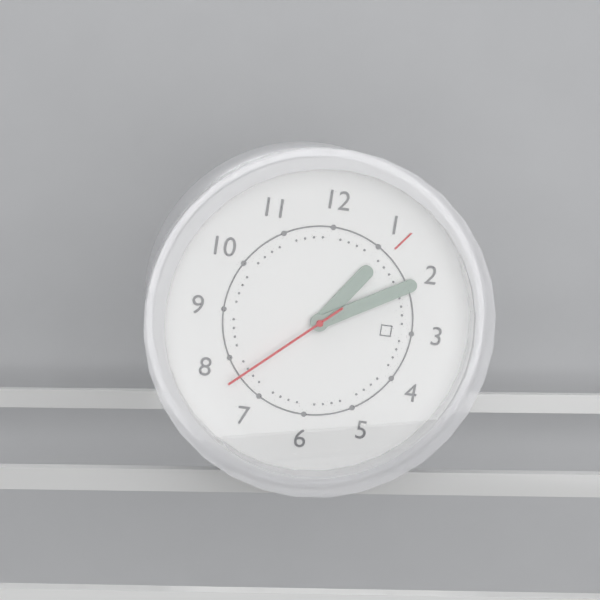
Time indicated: {"hour": 1, "minute": 10, "second": 38}
